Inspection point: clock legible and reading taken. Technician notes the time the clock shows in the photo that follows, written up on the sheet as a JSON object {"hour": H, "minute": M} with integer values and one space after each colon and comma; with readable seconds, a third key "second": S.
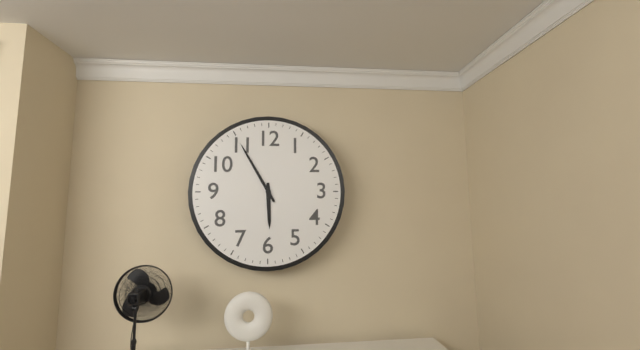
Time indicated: {"hour": 5, "minute": 55}
